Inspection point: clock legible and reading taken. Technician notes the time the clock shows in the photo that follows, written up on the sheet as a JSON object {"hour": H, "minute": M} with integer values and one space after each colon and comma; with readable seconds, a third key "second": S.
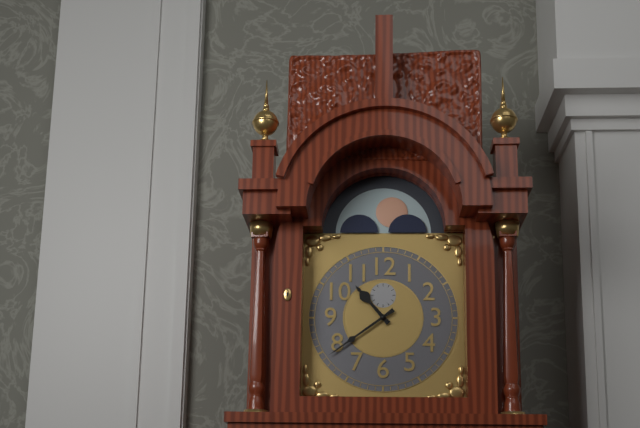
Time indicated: {"hour": 10, "minute": 39}
